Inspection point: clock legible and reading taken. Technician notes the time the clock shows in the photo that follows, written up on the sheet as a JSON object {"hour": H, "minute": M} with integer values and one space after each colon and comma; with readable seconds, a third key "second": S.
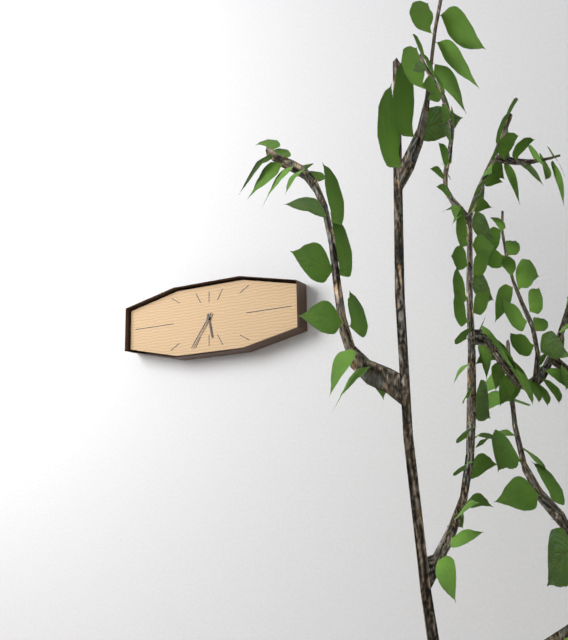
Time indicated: {"hour": 5, "minute": 36}
